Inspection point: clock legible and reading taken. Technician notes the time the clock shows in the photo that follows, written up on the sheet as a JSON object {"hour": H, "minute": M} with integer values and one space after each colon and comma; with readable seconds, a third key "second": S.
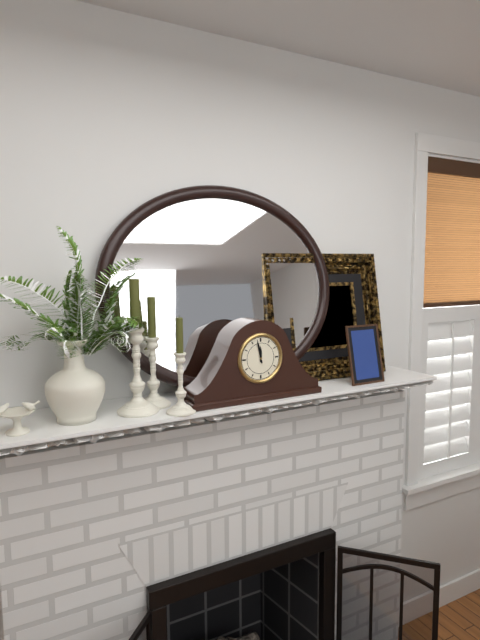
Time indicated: {"hour": 11, "minute": 58}
